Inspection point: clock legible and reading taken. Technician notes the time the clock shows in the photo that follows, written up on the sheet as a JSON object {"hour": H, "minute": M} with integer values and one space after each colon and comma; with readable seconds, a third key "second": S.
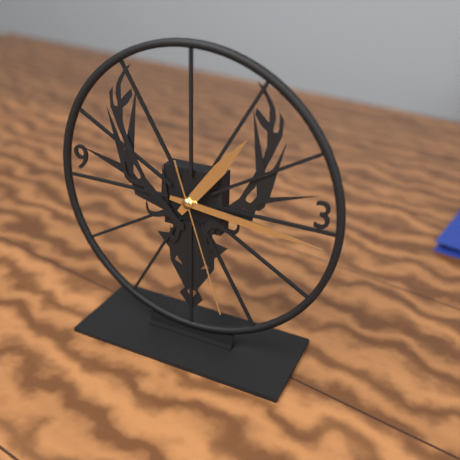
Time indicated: {"hour": 1, "minute": 16, "second": 27}
